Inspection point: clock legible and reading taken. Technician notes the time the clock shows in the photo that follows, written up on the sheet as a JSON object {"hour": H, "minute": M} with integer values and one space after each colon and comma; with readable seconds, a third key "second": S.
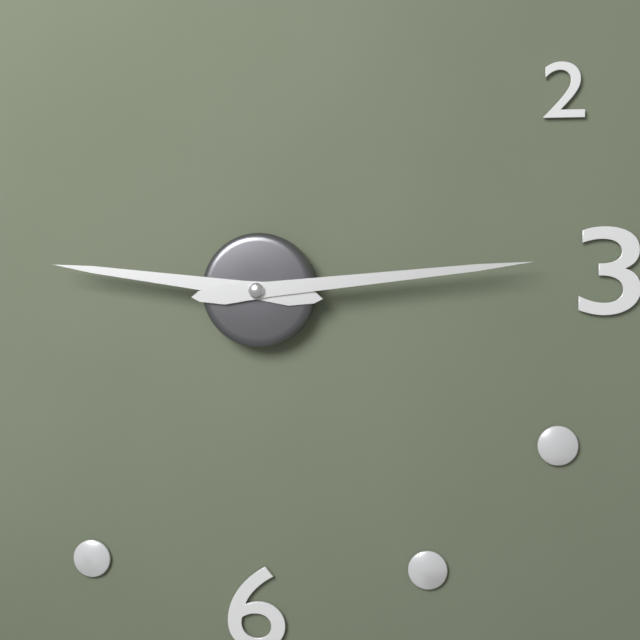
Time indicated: {"hour": 9, "minute": 14}
